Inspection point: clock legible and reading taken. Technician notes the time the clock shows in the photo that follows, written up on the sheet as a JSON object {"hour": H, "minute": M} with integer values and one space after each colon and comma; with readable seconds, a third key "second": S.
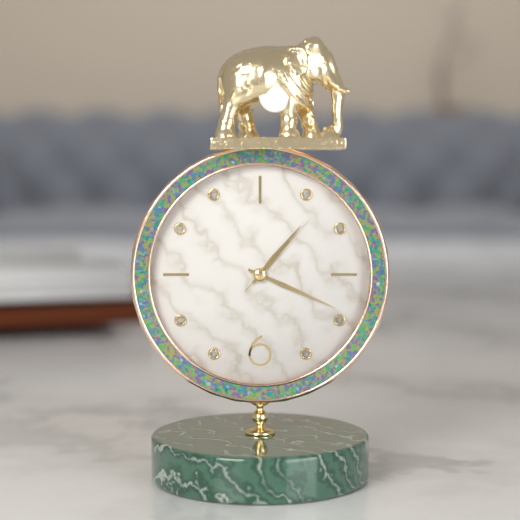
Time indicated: {"hour": 1, "minute": 19, "second": 7}
